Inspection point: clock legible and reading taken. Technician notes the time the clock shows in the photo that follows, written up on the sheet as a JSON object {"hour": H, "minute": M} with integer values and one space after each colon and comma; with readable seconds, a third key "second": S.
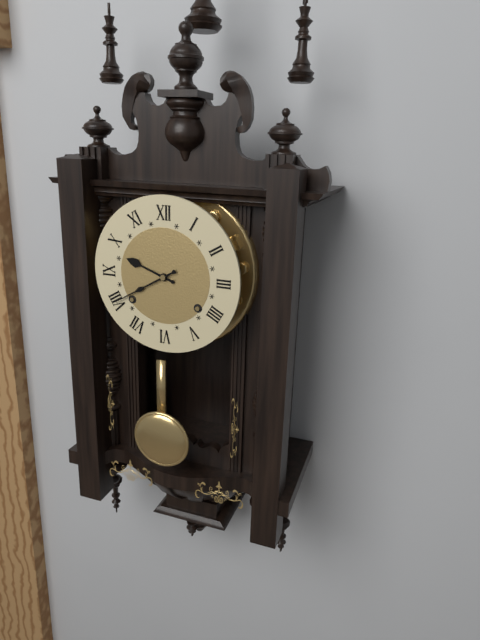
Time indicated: {"hour": 9, "minute": 40}
